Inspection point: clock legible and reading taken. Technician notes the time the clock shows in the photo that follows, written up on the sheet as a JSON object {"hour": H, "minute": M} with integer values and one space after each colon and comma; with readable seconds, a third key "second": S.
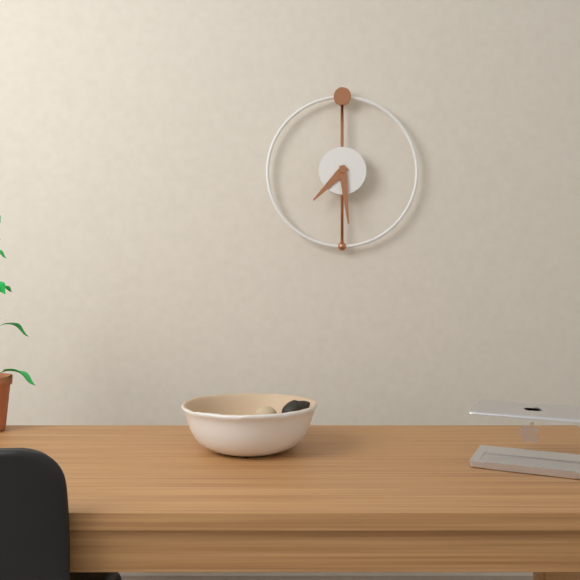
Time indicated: {"hour": 7, "minute": 29}
